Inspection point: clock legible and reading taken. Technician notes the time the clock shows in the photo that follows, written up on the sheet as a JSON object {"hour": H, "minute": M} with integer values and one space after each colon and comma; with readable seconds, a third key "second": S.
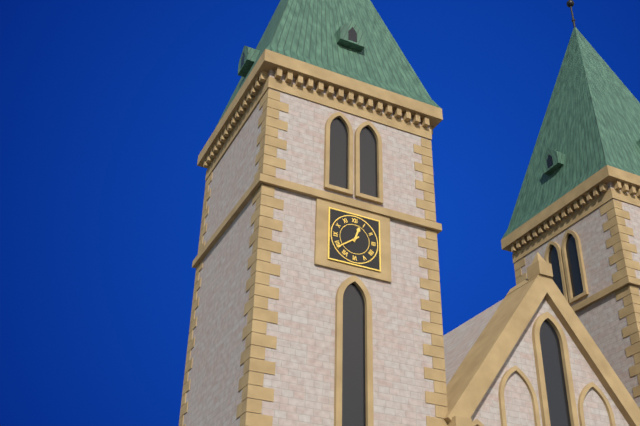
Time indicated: {"hour": 12, "minute": 39}
